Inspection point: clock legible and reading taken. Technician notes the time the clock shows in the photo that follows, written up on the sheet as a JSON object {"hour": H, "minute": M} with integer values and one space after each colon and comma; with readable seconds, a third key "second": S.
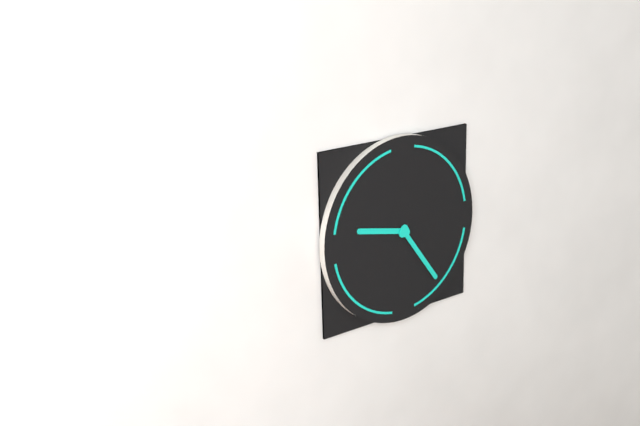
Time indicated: {"hour": 9, "minute": 24}
